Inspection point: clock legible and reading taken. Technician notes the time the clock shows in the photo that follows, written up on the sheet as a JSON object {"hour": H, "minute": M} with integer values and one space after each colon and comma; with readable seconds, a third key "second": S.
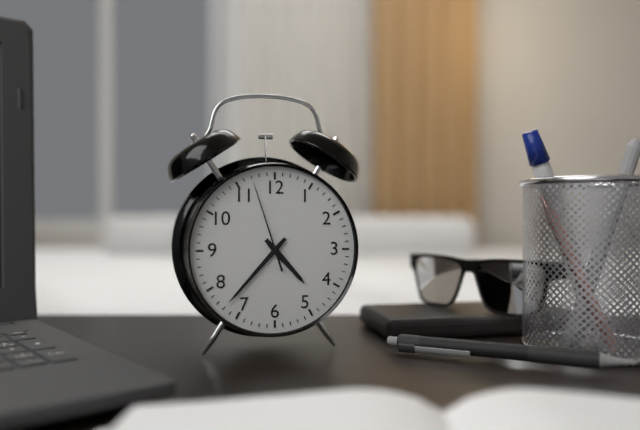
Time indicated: {"hour": 4, "minute": 37, "second": 57}
